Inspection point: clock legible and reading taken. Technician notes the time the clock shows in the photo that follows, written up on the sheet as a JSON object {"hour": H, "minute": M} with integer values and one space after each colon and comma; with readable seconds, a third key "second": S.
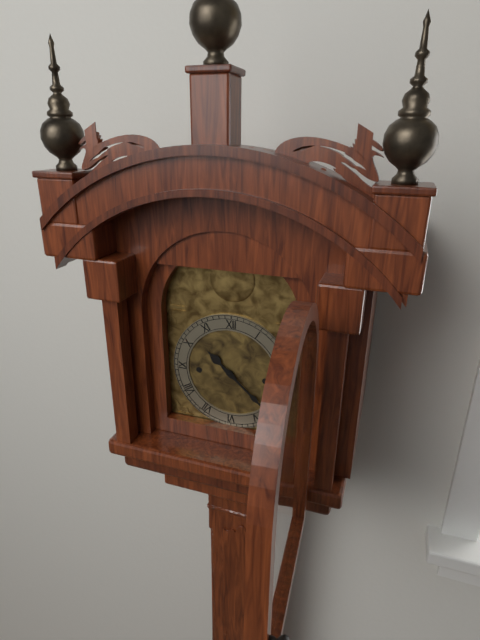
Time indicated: {"hour": 10, "minute": 22}
